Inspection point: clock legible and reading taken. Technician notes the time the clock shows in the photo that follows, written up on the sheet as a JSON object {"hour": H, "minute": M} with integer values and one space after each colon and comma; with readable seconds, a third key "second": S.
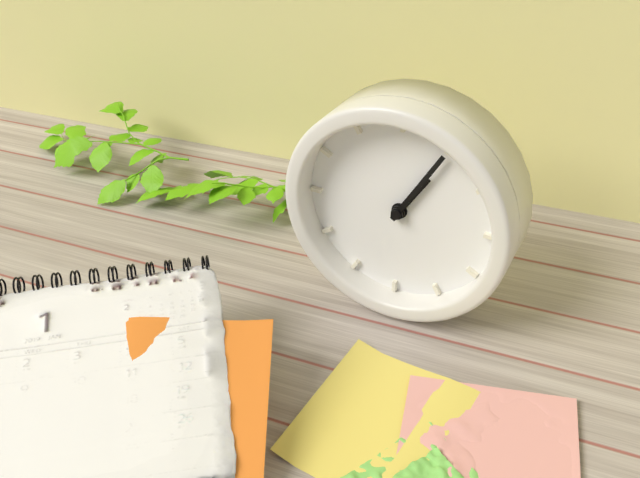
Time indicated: {"hour": 1, "minute": 5}
